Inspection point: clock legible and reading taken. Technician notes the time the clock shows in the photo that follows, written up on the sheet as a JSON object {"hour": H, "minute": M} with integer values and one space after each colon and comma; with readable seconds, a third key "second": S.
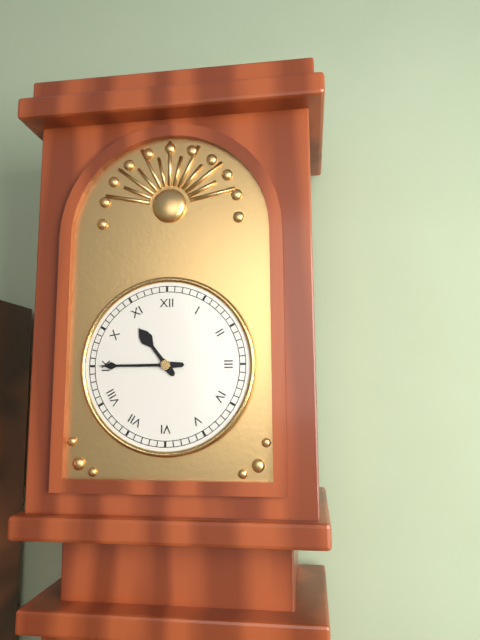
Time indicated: {"hour": 10, "minute": 45}
